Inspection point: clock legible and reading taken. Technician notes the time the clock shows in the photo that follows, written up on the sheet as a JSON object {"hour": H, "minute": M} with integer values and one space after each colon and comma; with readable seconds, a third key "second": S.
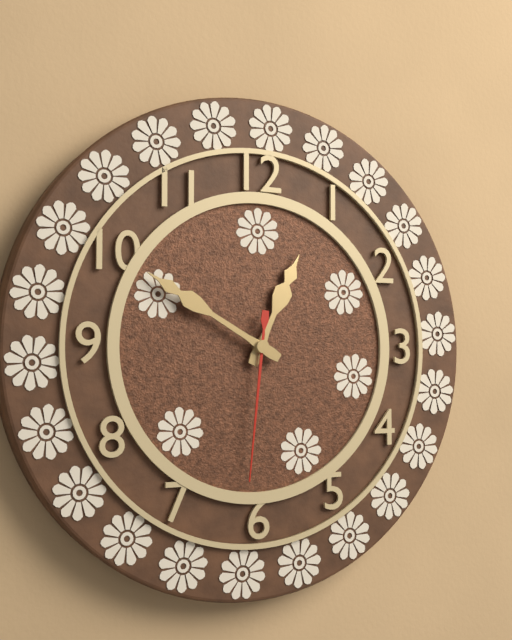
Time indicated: {"hour": 12, "minute": 50, "second": 31}
